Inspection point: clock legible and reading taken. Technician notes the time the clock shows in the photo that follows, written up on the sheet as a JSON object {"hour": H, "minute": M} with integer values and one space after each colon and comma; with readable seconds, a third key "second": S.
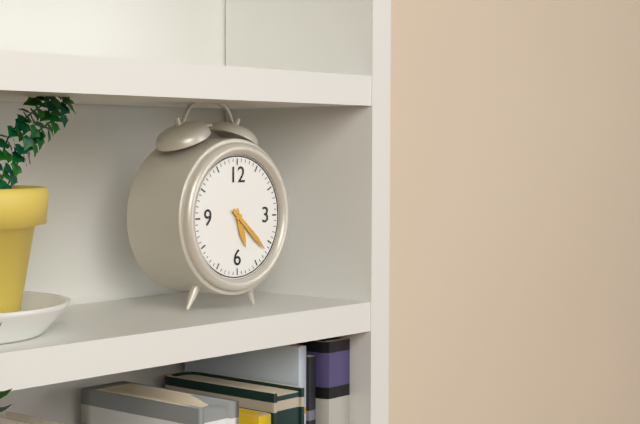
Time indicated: {"hour": 5, "minute": 22}
